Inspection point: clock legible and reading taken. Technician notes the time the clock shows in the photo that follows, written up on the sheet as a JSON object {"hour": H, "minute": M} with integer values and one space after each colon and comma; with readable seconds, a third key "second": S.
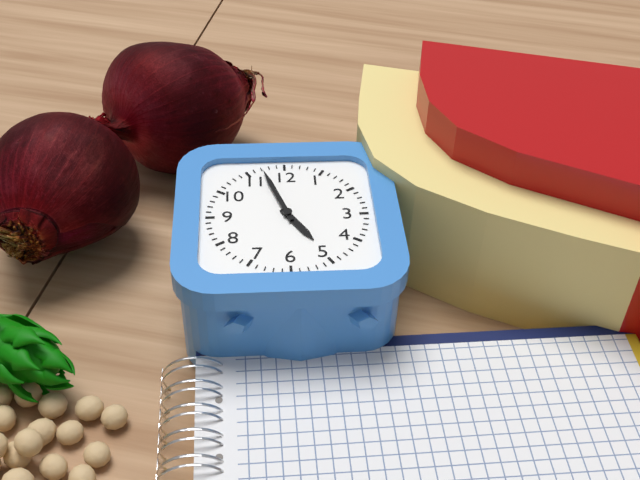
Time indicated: {"hour": 4, "minute": 57}
